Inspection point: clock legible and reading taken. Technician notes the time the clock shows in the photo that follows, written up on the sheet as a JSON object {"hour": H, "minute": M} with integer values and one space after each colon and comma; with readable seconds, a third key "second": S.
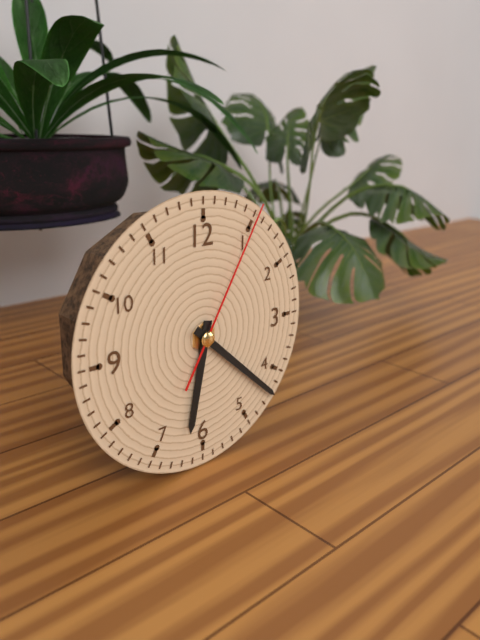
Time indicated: {"hour": 6, "minute": 22, "second": 5}
